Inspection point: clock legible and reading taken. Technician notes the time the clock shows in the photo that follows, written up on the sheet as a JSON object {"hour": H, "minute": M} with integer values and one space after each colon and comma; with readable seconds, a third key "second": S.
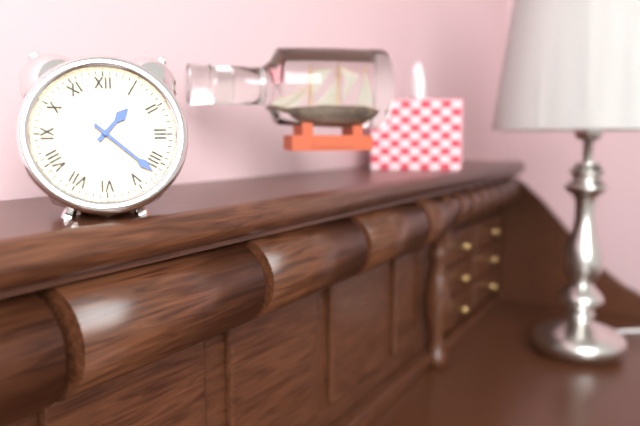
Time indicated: {"hour": 1, "minute": 22}
